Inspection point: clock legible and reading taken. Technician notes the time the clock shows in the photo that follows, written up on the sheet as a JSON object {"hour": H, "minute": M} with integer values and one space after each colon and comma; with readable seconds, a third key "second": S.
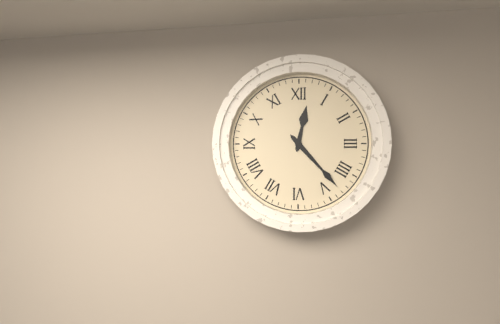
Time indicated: {"hour": 12, "minute": 23}
